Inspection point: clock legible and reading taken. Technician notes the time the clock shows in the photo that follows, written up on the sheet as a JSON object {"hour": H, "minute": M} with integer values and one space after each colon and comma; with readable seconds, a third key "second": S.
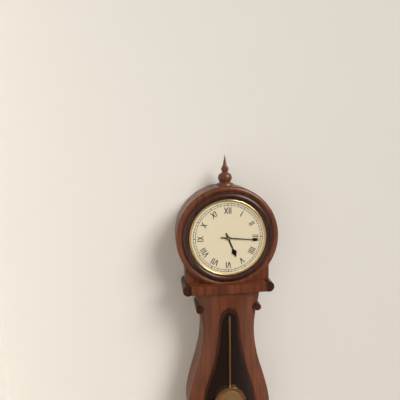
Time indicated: {"hour": 5, "minute": 16}
